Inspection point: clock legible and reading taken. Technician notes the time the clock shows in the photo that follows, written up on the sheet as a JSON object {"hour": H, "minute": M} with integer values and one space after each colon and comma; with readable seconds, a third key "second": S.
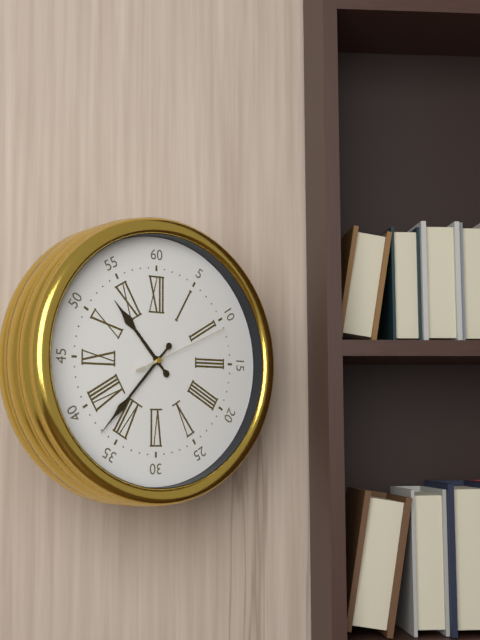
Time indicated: {"hour": 10, "minute": 37, "second": 11}
